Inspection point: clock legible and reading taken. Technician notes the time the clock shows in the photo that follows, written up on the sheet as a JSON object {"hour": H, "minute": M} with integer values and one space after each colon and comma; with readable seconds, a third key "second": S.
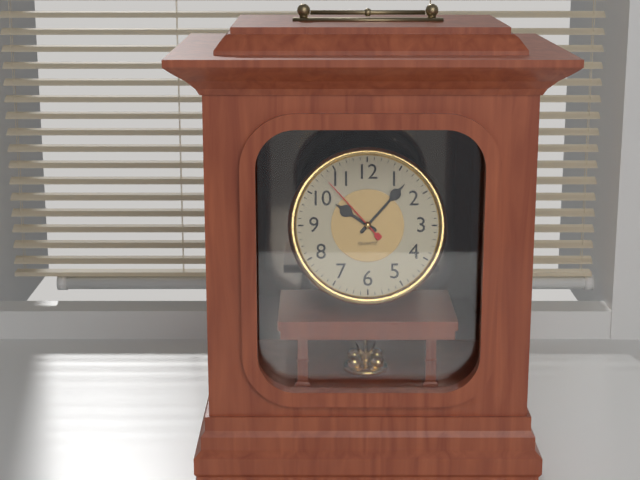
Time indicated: {"hour": 10, "minute": 7, "second": 53}
